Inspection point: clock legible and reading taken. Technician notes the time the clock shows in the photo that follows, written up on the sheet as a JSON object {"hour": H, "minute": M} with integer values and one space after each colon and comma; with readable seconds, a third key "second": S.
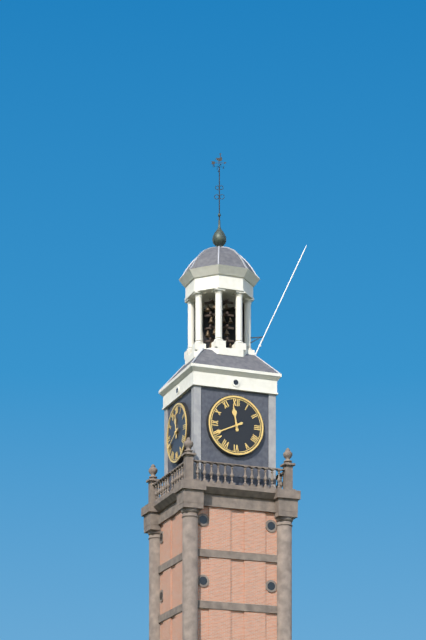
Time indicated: {"hour": 11, "minute": 41}
